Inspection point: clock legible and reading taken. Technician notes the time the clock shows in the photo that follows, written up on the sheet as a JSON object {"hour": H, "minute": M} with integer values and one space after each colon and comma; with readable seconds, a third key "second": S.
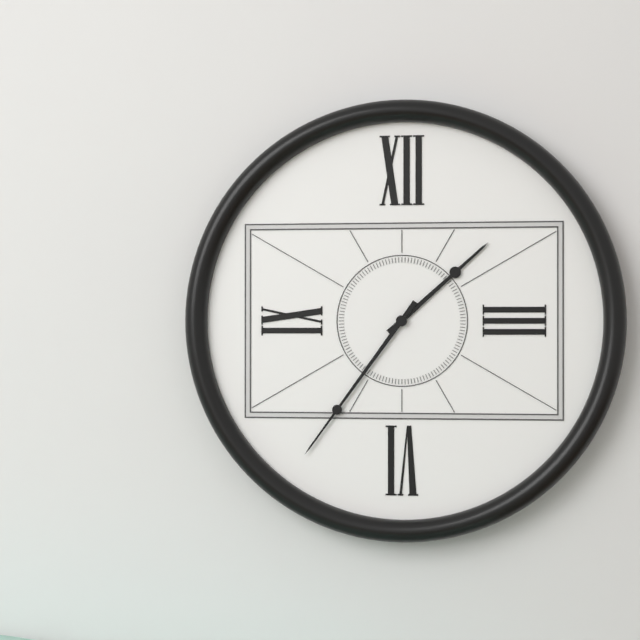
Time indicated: {"hour": 1, "minute": 36}
